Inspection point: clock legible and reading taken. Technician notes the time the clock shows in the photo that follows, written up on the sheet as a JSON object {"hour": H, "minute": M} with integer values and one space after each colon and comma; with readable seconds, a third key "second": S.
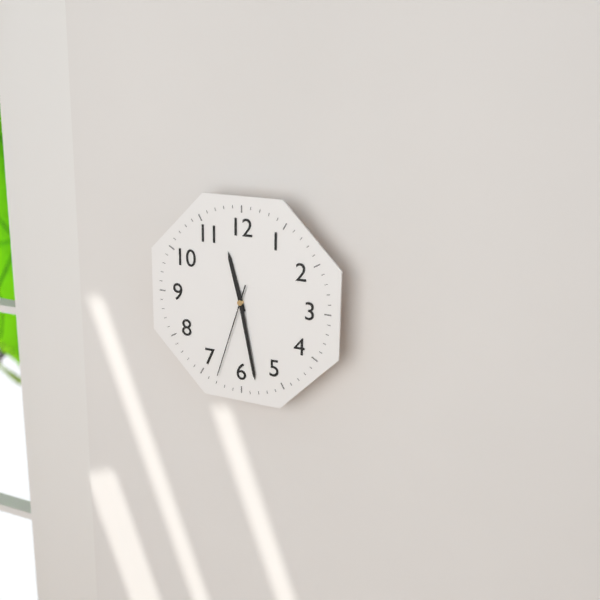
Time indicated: {"hour": 11, "minute": 28, "second": 33}
